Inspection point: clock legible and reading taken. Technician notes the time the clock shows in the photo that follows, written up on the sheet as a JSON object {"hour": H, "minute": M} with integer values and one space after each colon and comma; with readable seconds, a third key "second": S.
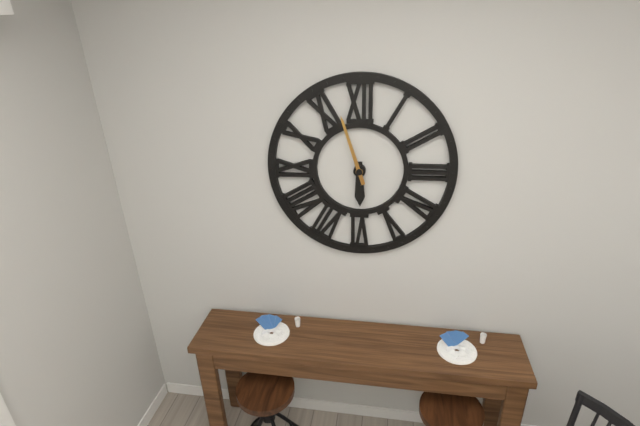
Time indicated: {"hour": 5, "minute": 57}
